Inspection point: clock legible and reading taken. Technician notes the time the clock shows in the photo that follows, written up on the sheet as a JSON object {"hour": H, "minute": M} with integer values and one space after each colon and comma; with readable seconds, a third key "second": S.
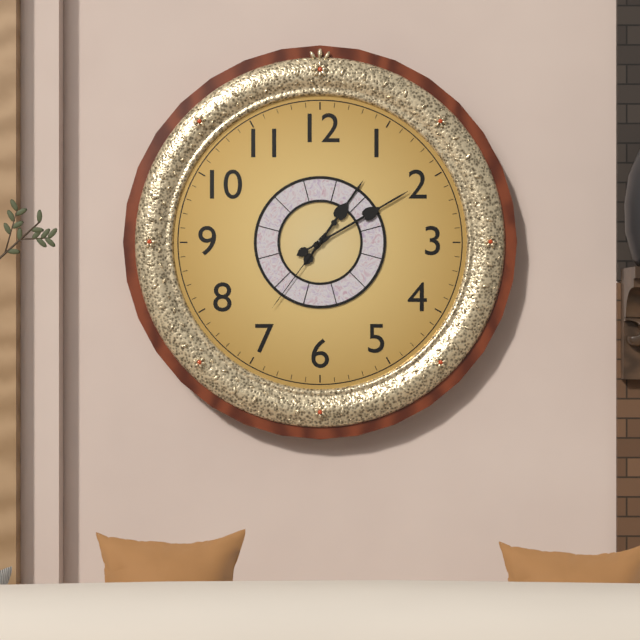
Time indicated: {"hour": 1, "minute": 10, "second": 36}
